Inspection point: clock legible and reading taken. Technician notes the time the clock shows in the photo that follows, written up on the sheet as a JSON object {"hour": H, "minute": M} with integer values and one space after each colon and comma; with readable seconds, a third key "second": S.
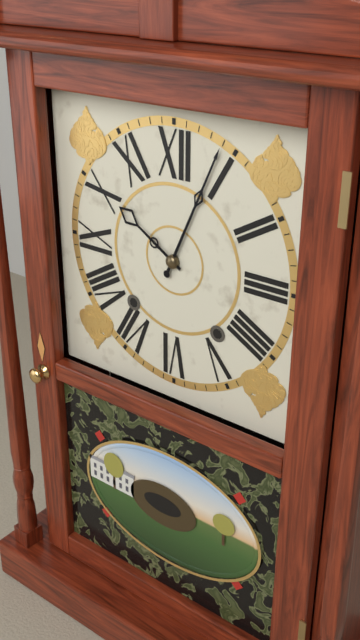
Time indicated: {"hour": 10, "minute": 4}
